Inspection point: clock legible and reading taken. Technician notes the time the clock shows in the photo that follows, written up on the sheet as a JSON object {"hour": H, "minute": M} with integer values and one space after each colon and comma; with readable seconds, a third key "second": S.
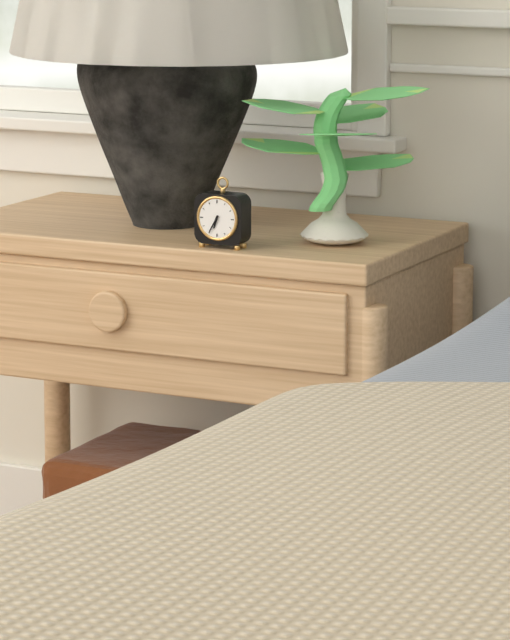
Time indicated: {"hour": 6, "minute": 35}
